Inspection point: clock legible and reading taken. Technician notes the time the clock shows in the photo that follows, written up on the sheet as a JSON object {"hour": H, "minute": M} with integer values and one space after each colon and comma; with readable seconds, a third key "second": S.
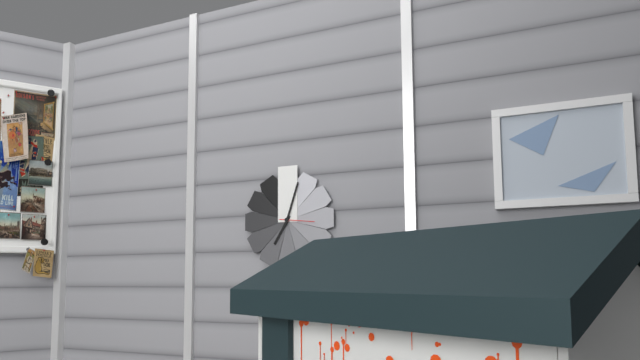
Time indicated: {"hour": 7, "minute": 3}
